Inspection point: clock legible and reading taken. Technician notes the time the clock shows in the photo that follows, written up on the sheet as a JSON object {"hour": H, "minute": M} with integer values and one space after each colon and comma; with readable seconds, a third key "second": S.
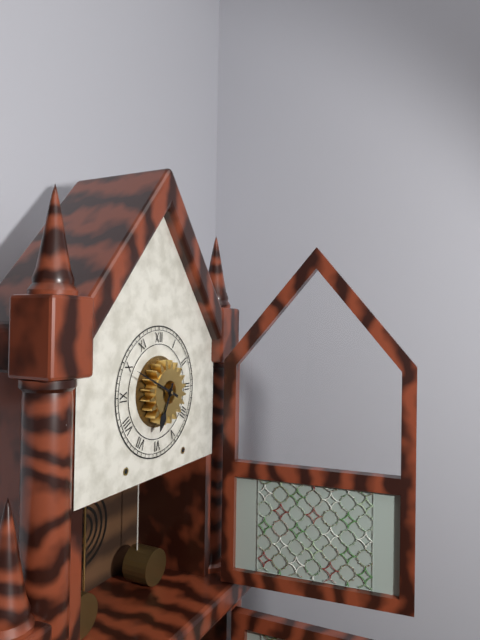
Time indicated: {"hour": 6, "minute": 49}
